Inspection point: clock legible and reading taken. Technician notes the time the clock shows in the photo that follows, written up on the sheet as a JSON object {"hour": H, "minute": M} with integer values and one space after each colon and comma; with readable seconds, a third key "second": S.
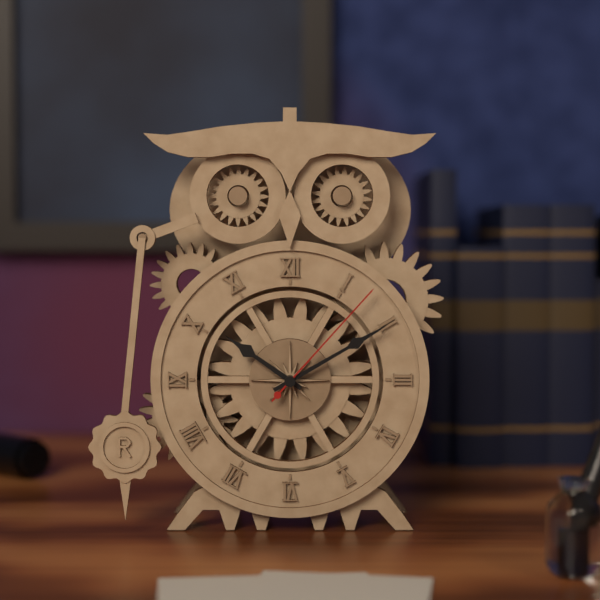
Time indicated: {"hour": 10, "minute": 10, "second": 7}
